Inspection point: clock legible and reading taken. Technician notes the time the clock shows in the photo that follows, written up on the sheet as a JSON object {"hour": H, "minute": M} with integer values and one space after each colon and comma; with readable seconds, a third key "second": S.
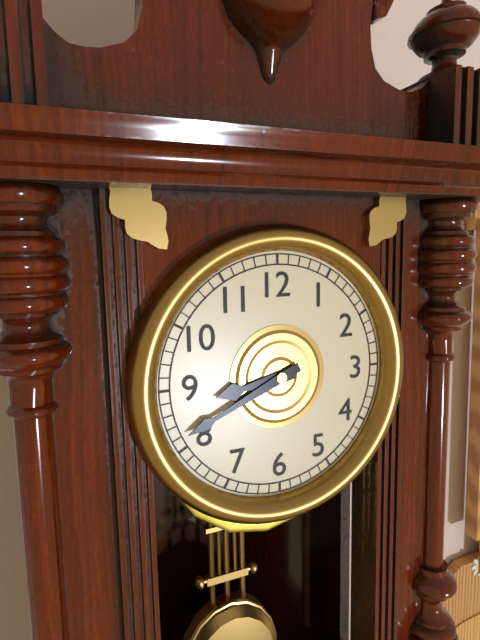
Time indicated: {"hour": 8, "minute": 41}
